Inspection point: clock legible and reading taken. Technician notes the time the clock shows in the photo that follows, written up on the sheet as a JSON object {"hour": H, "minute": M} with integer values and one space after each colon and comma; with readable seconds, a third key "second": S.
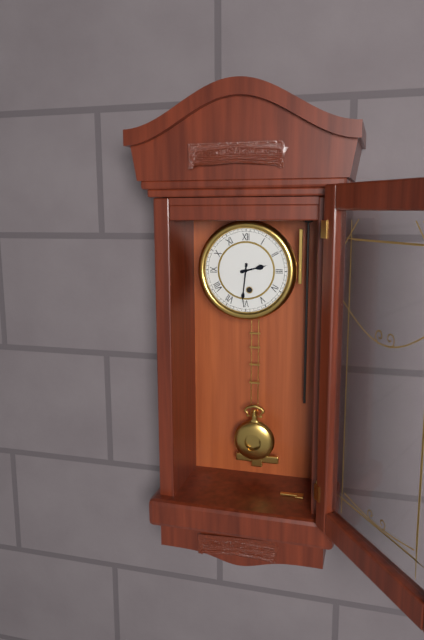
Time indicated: {"hour": 2, "minute": 31}
